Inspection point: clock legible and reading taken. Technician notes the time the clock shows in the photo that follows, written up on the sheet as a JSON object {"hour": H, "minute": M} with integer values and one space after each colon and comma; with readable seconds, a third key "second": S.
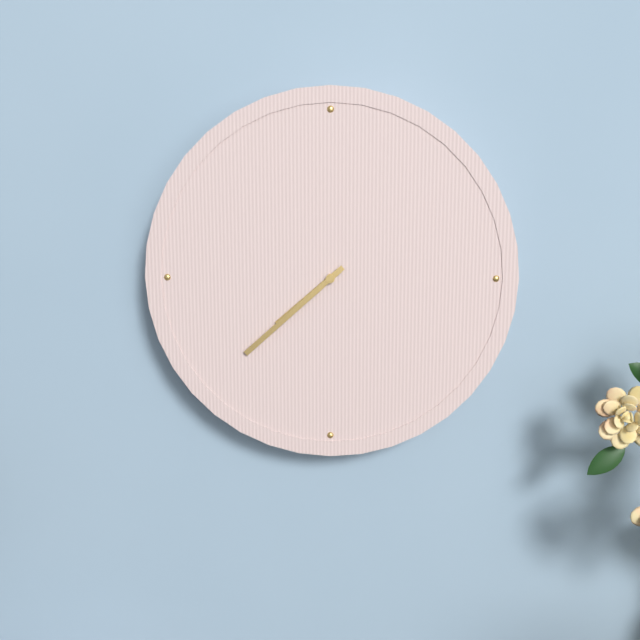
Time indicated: {"hour": 7, "minute": 38}
